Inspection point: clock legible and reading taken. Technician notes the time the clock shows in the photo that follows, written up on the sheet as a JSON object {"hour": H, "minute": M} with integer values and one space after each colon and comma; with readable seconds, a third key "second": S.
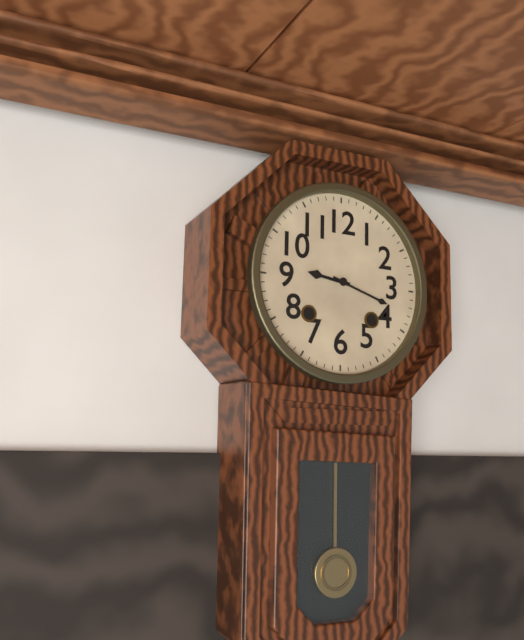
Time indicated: {"hour": 9, "minute": 18}
